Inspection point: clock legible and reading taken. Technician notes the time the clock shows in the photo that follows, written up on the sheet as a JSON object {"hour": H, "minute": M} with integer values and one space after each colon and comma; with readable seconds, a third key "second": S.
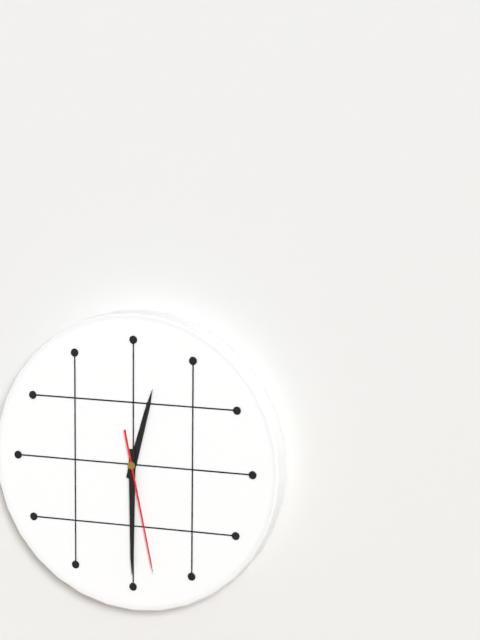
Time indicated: {"hour": 12, "minute": 30, "second": 28}
